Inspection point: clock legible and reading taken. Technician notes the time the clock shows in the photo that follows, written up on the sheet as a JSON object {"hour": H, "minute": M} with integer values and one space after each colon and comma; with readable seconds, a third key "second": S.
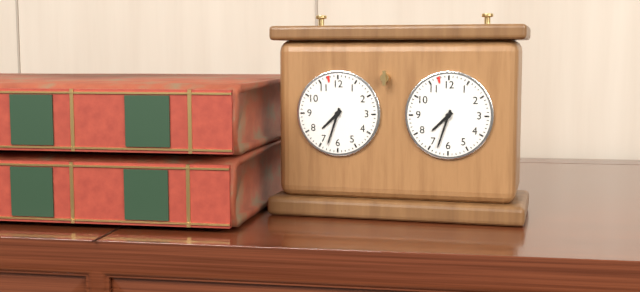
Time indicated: {"hour": 7, "minute": 33}
